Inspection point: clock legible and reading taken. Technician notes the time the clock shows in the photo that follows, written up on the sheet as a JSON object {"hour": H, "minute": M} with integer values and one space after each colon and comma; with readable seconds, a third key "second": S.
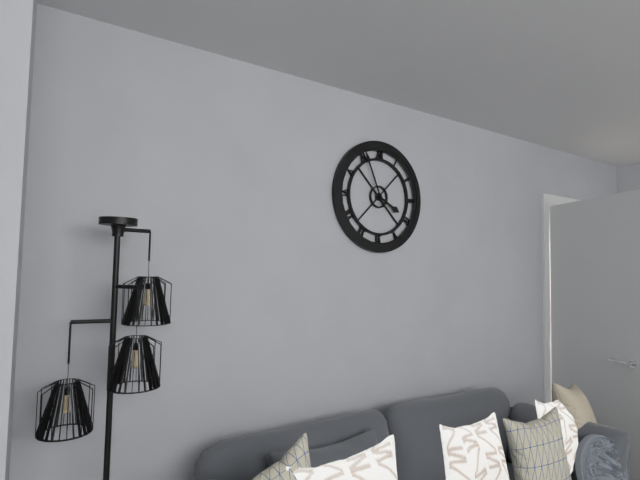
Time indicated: {"hour": 3, "minute": 56}
